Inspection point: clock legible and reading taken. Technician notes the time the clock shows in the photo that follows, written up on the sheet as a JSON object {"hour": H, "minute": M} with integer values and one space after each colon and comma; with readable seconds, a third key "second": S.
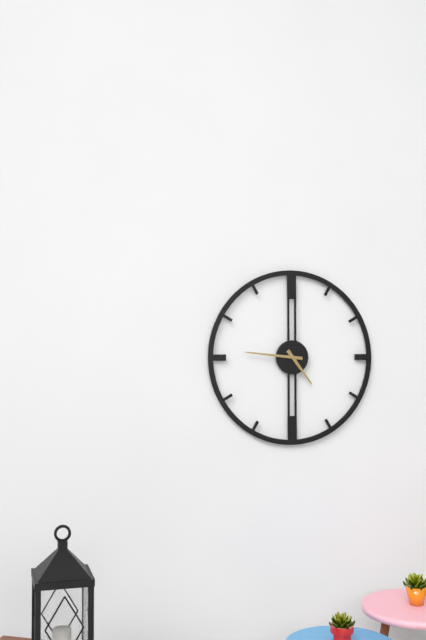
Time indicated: {"hour": 4, "minute": 46}
